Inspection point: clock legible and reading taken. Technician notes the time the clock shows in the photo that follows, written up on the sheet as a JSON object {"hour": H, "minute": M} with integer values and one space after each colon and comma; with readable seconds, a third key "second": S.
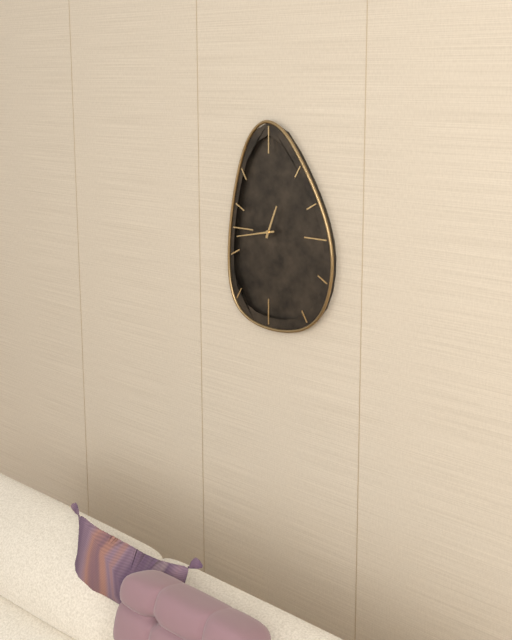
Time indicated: {"hour": 12, "minute": 43}
